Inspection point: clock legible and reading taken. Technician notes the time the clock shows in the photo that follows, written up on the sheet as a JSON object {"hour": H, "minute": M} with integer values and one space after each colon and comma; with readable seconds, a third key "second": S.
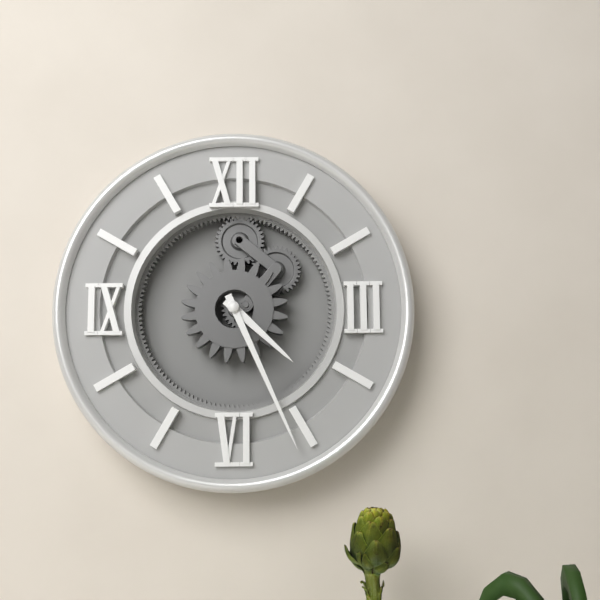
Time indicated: {"hour": 4, "minute": 26}
